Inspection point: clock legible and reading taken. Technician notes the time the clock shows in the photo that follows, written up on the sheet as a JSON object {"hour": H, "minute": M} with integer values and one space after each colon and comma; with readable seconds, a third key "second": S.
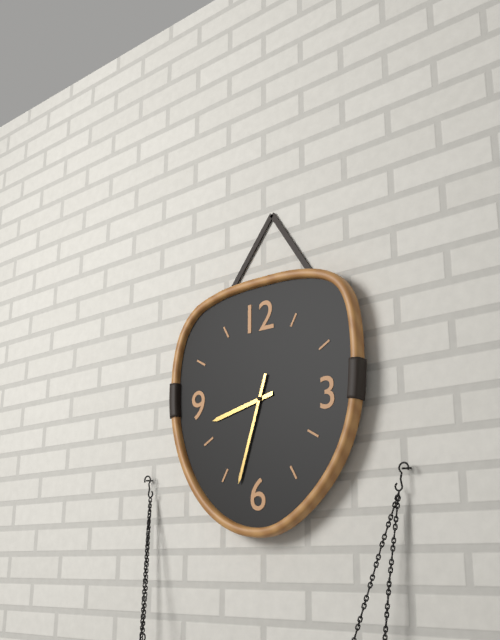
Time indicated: {"hour": 8, "minute": 33}
